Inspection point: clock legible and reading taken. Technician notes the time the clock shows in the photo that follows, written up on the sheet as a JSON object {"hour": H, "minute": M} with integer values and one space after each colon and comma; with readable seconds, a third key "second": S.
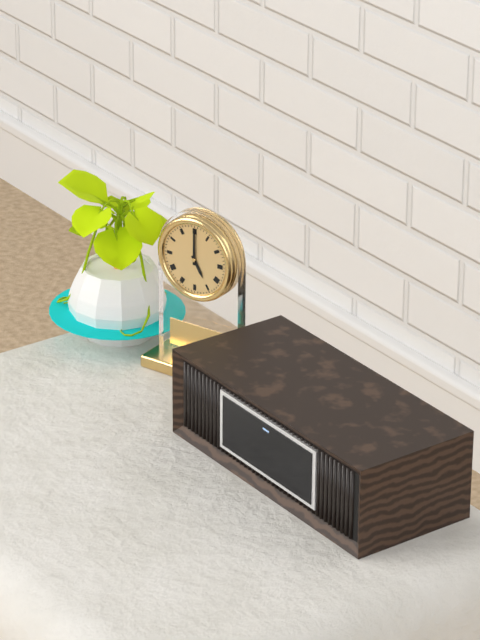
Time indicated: {"hour": 5, "minute": 0}
